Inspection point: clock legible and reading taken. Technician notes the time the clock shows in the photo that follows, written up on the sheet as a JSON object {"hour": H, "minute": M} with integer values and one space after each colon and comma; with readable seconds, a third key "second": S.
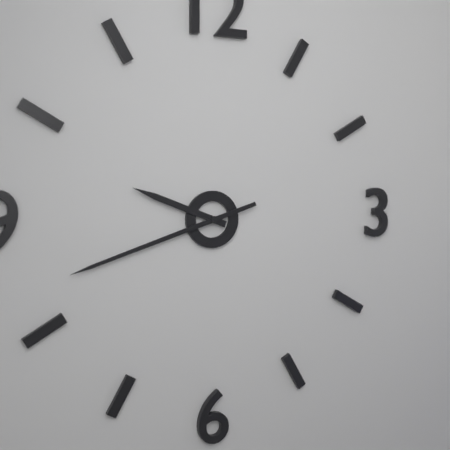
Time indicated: {"hour": 9, "minute": 42}
